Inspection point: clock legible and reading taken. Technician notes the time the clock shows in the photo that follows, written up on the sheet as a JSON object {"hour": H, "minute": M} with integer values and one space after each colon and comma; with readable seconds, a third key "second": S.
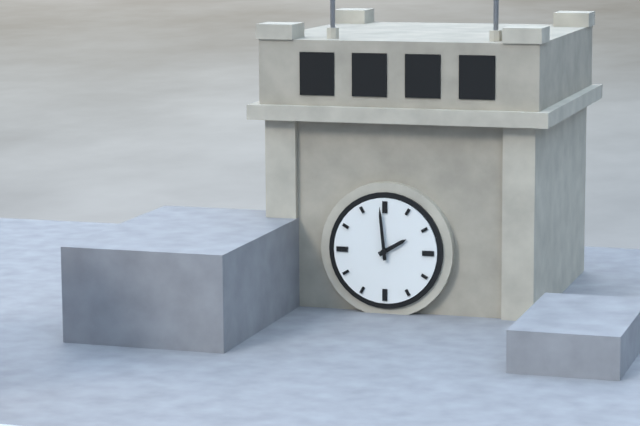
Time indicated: {"hour": 1, "minute": 59}
